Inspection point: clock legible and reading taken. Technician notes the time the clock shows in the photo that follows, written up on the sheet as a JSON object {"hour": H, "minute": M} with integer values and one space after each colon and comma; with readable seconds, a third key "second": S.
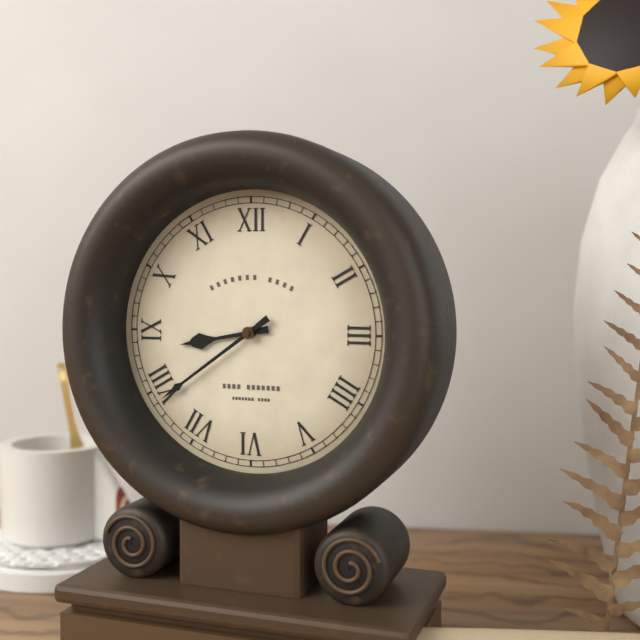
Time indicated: {"hour": 8, "minute": 39}
